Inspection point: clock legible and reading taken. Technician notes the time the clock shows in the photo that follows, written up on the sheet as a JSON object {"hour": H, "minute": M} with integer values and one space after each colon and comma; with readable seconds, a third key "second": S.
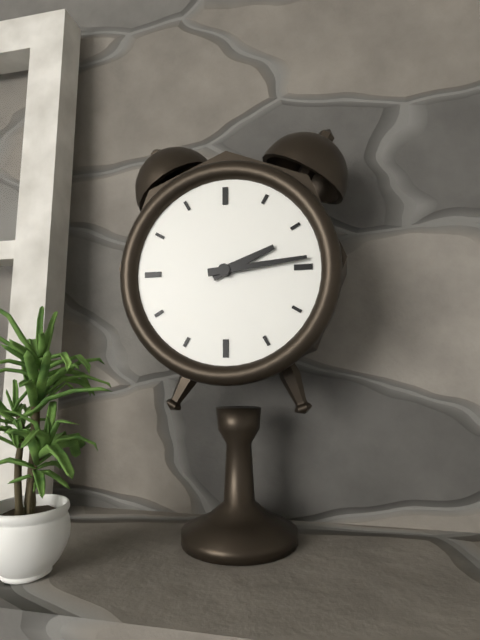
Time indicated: {"hour": 2, "minute": 14}
